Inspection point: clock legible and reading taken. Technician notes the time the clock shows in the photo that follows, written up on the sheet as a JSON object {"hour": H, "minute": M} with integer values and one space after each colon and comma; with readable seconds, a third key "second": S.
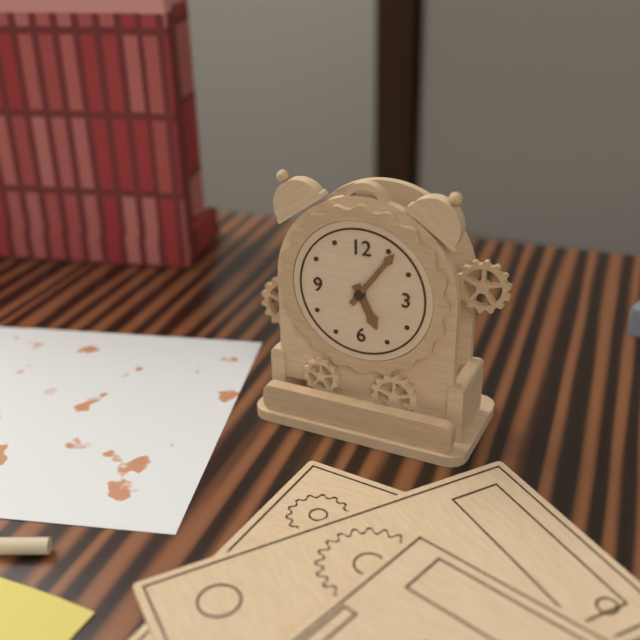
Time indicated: {"hour": 5, "minute": 6}
